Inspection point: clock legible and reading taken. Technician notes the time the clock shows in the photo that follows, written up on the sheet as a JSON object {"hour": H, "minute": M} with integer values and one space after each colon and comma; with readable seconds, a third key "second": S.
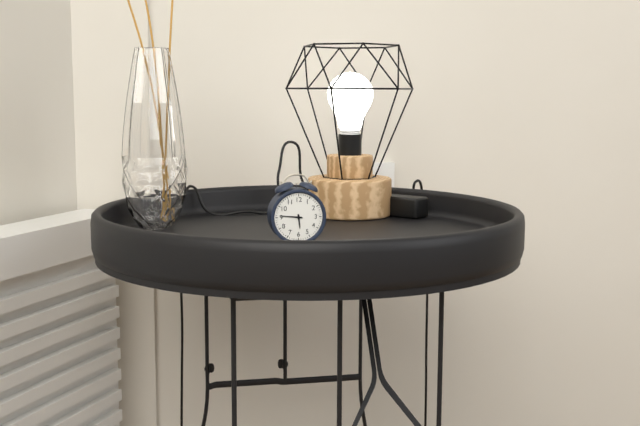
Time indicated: {"hour": 5, "minute": 46}
